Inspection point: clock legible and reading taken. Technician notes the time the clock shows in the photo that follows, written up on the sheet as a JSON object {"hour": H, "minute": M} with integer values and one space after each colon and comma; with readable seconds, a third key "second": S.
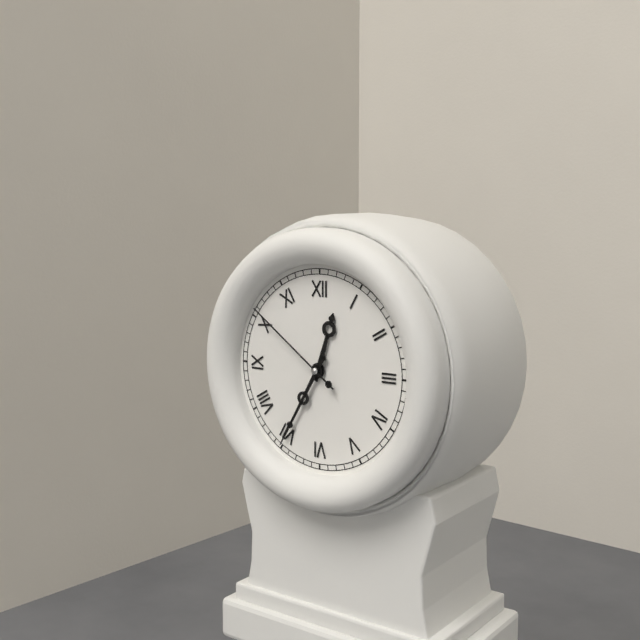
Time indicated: {"hour": 12, "minute": 35, "second": 51}
